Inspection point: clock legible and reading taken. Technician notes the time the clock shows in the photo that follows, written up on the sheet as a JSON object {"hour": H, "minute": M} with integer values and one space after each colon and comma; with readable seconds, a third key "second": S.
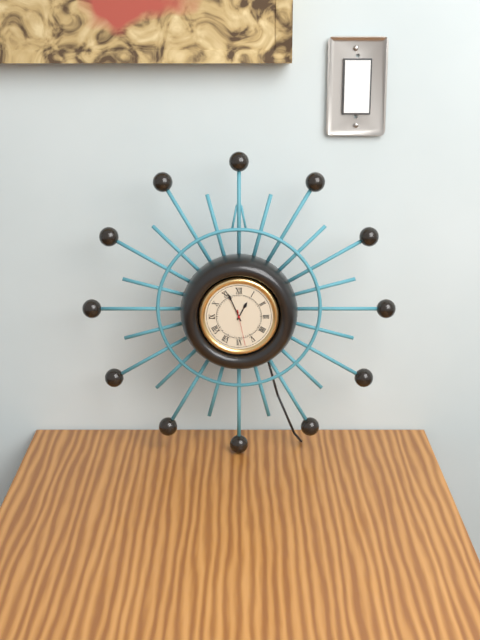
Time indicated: {"hour": 12, "minute": 56}
